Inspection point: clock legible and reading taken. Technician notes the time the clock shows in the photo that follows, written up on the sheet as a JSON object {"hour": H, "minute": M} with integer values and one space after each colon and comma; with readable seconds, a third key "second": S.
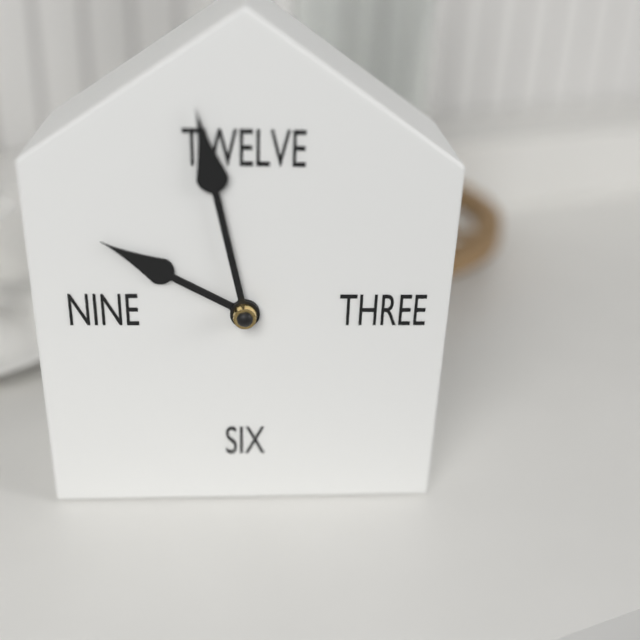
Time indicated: {"hour": 9, "minute": 58}
